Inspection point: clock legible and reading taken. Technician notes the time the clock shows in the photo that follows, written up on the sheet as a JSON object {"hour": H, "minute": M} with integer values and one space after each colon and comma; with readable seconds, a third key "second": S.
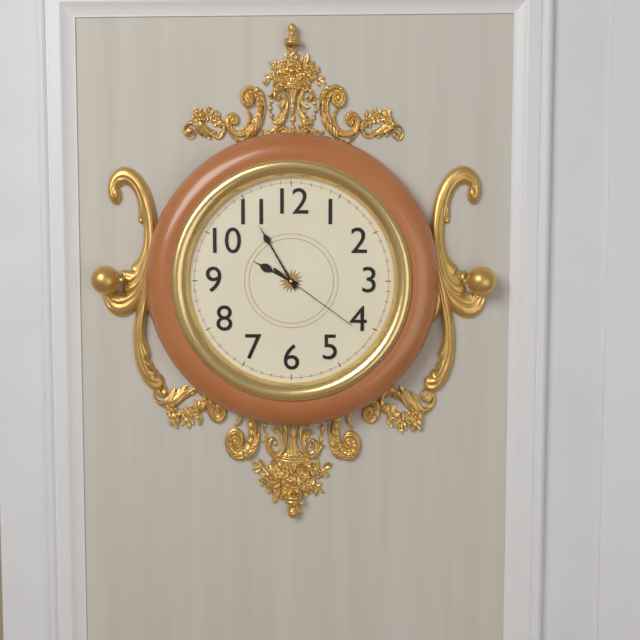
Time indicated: {"hour": 9, "minute": 55, "second": 21}
